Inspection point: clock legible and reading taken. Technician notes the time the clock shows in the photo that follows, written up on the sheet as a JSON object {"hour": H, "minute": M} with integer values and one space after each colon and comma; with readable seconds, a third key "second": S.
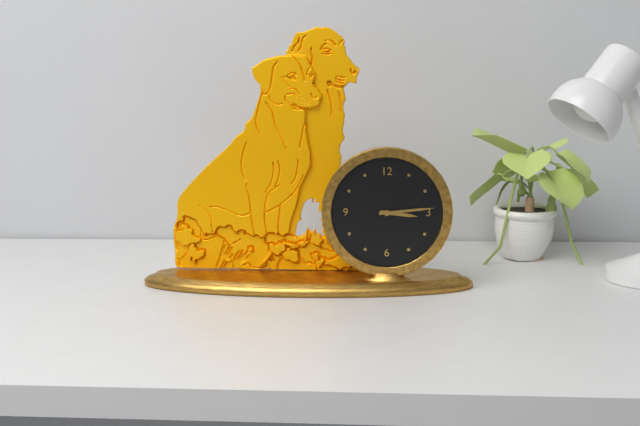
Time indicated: {"hour": 3, "minute": 14}
